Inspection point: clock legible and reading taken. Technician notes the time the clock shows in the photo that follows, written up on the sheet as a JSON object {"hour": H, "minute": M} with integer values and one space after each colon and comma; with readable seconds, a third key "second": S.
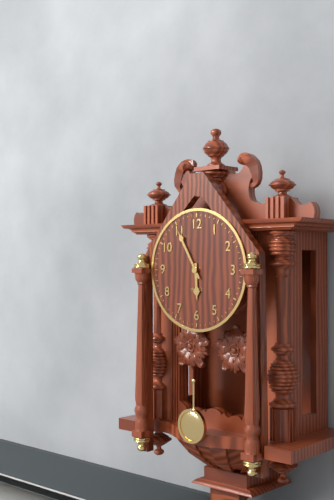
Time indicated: {"hour": 5, "minute": 55}
